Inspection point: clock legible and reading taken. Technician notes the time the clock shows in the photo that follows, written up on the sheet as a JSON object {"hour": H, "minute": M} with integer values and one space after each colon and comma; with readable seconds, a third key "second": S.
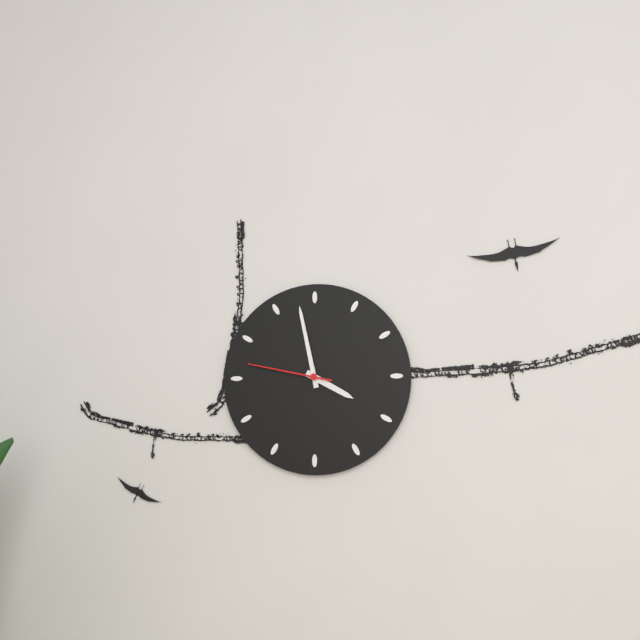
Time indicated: {"hour": 3, "minute": 58, "second": 47}
